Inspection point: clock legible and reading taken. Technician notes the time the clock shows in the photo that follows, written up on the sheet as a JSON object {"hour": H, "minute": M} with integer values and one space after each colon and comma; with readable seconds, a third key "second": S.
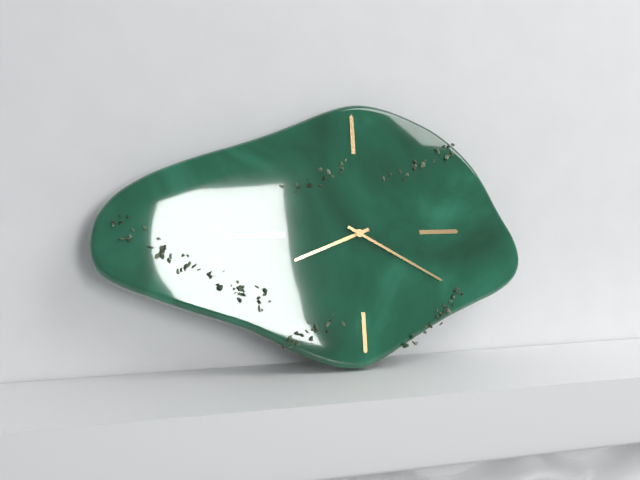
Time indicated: {"hour": 8, "minute": 20}
